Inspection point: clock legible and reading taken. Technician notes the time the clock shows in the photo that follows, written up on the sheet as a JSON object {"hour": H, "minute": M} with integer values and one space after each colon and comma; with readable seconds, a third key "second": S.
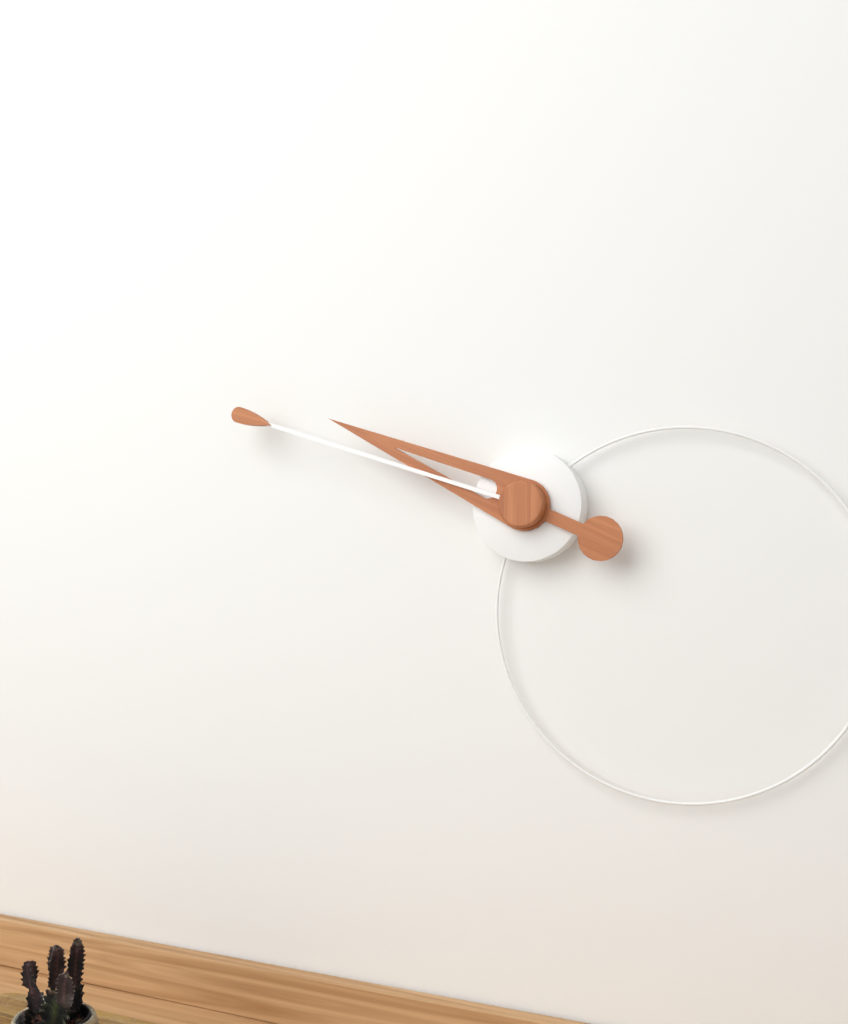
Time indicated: {"hour": 9, "minute": 48}
